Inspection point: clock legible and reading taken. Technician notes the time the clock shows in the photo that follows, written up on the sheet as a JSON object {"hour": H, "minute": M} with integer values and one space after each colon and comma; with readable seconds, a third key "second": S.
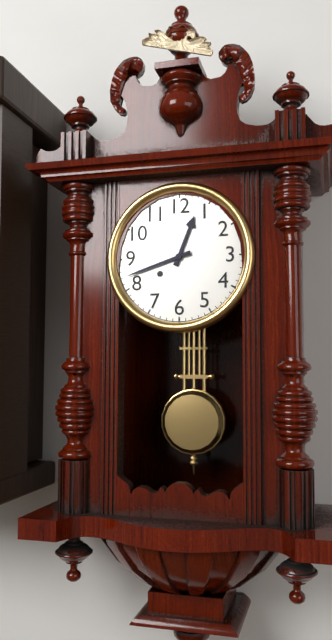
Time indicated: {"hour": 12, "minute": 42}
